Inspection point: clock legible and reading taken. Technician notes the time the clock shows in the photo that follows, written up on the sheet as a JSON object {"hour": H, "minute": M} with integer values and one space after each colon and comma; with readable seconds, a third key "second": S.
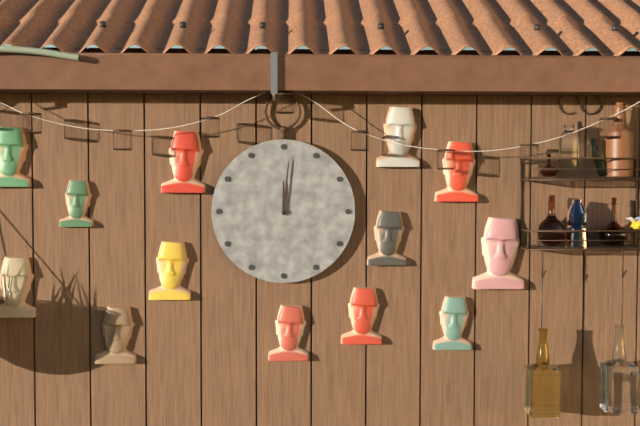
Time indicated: {"hour": 12, "minute": 1}
